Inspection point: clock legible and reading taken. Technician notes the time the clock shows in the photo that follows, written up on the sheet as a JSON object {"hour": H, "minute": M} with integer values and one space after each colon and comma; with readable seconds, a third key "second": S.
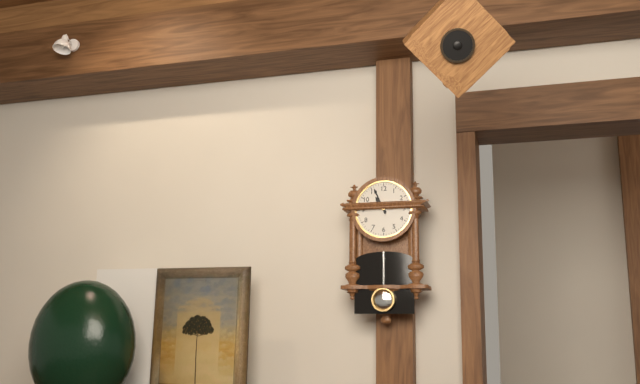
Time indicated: {"hour": 10, "minute": 56}
